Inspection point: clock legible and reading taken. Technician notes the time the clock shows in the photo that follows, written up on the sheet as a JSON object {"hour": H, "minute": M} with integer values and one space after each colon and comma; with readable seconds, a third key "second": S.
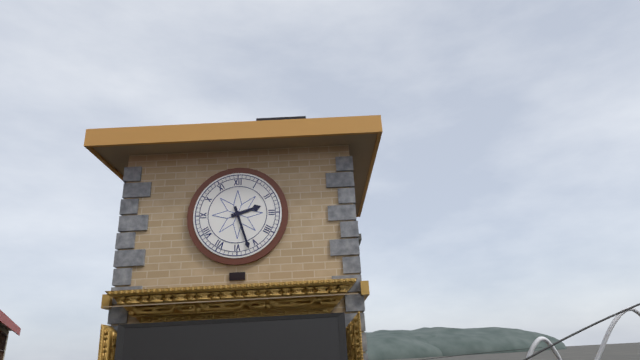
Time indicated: {"hour": 2, "minute": 27}
